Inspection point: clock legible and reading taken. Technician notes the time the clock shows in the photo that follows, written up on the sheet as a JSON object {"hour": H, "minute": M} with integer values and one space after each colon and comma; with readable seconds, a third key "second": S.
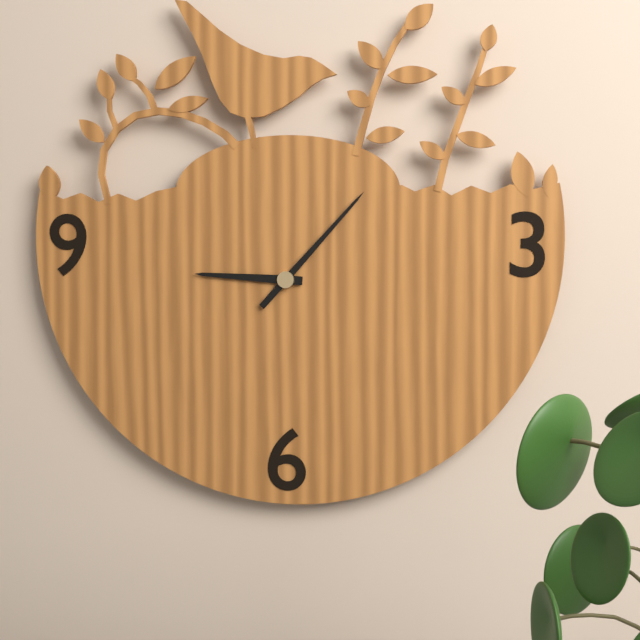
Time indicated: {"hour": 9, "minute": 7}
